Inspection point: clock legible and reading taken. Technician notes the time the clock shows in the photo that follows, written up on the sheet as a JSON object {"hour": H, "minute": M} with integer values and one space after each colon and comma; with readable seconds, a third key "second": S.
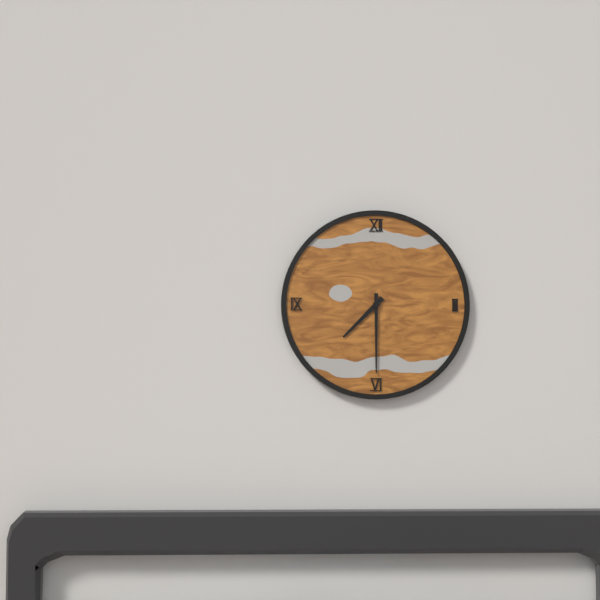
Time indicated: {"hour": 7, "minute": 30}
